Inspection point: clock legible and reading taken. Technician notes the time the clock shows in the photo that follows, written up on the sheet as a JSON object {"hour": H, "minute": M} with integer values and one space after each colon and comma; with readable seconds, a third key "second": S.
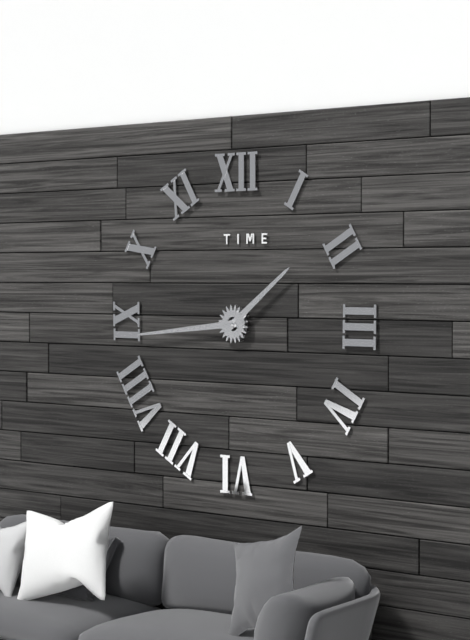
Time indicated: {"hour": 1, "minute": 44}
